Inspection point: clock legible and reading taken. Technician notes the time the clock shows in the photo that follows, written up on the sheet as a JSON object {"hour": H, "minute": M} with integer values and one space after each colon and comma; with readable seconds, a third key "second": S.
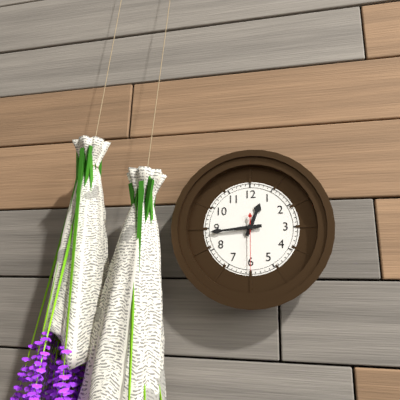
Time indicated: {"hour": 12, "minute": 44, "second": 30}
